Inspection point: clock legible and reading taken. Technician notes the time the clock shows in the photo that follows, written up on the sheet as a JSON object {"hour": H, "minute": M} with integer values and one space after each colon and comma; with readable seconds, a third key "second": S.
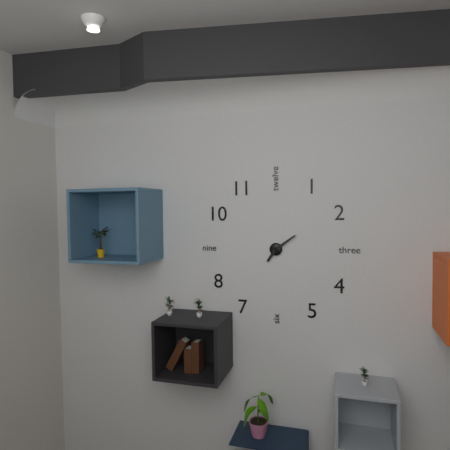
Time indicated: {"hour": 7, "minute": 9}
